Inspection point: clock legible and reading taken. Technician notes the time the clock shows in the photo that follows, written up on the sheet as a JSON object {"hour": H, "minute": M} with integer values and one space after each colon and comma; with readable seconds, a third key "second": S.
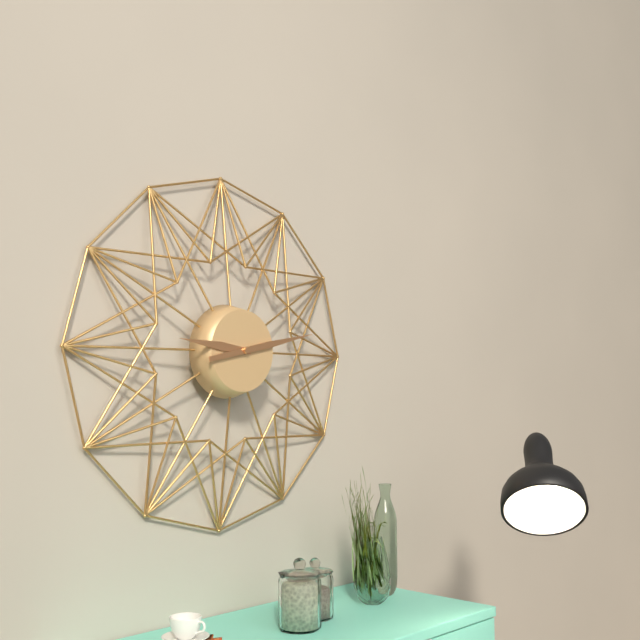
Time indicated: {"hour": 9, "minute": 13}
